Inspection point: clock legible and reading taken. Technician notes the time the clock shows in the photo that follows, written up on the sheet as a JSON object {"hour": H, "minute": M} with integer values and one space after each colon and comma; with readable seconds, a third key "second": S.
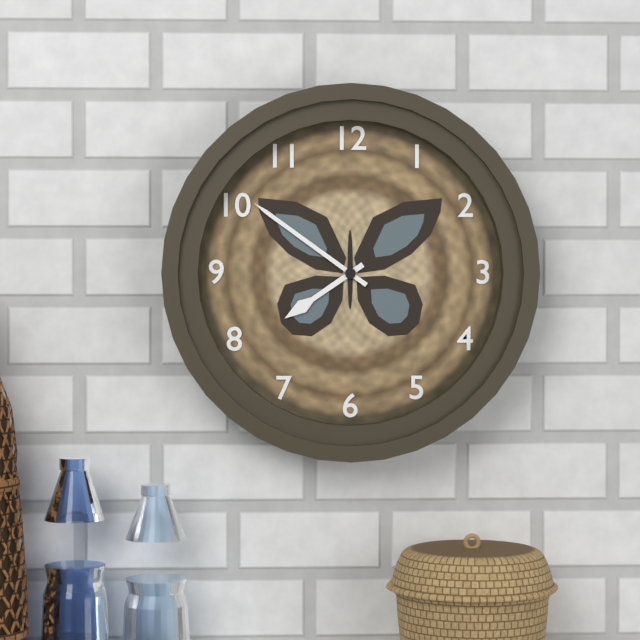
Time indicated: {"hour": 7, "minute": 51}
